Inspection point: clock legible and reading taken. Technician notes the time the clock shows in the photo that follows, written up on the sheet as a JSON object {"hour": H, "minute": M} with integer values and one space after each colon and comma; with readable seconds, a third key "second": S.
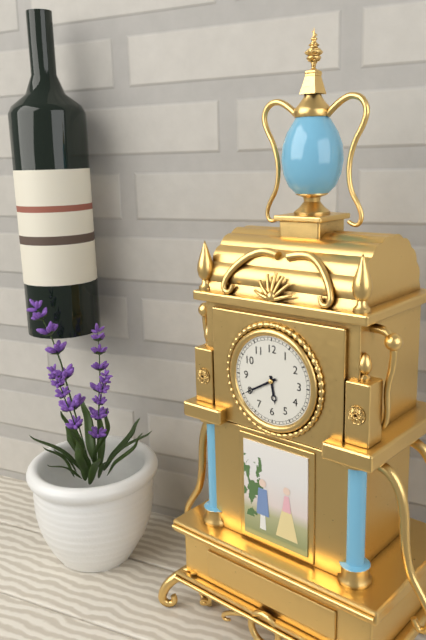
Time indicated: {"hour": 5, "minute": 40}
